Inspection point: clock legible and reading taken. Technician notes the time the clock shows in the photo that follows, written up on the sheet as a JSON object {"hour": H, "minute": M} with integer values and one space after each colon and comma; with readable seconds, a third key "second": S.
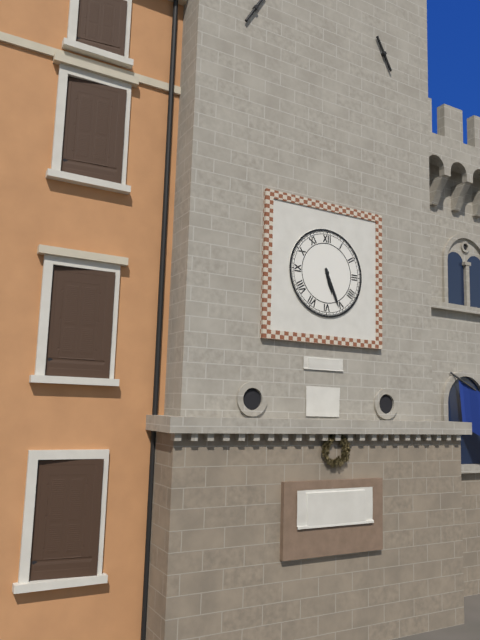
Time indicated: {"hour": 5, "minute": 26}
